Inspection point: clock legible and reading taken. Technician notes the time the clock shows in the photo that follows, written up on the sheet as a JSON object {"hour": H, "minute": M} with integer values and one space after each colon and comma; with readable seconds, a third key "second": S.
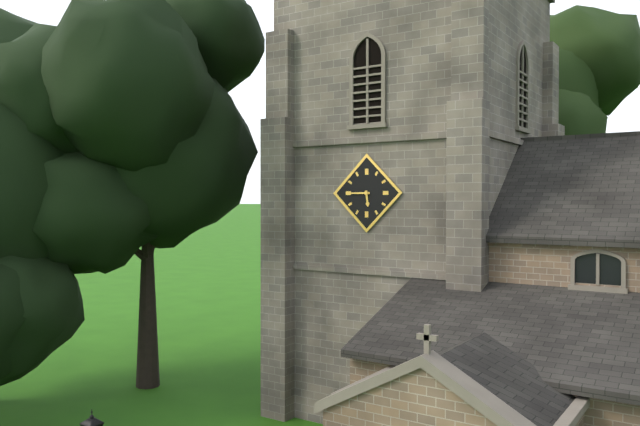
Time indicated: {"hour": 5, "minute": 45}
